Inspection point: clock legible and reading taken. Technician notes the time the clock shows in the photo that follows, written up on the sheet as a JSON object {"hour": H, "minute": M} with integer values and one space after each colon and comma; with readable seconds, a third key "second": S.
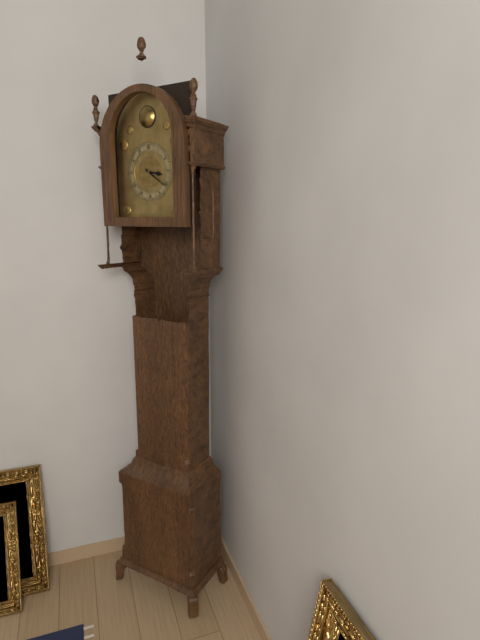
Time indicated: {"hour": 3, "minute": 21}
